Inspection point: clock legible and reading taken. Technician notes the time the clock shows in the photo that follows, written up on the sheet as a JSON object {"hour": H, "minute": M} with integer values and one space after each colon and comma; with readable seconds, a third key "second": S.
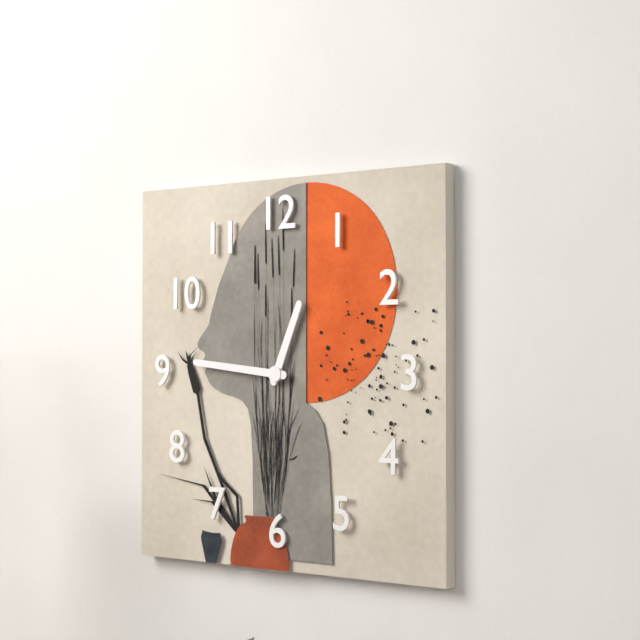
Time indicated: {"hour": 12, "minute": 46}
